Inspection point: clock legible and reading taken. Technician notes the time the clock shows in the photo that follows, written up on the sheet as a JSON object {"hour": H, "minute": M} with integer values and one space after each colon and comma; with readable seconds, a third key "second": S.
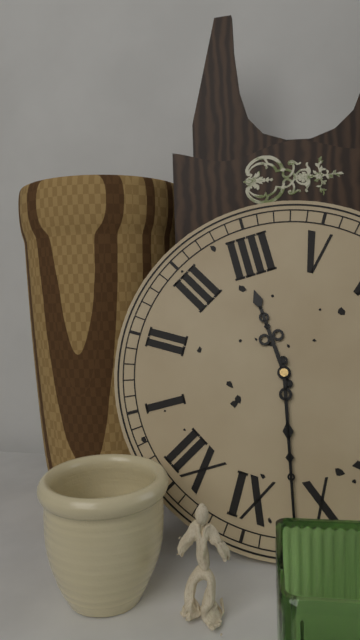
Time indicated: {"hour": 3, "minute": 52}
